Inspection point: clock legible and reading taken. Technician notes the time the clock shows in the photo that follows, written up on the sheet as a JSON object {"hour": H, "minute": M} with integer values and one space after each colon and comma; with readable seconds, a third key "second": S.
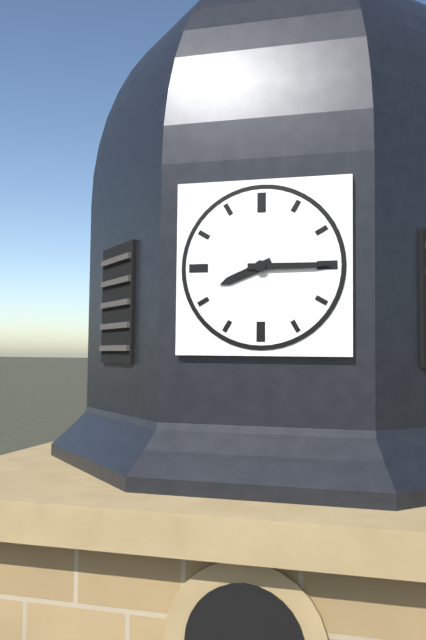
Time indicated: {"hour": 8, "minute": 15}
